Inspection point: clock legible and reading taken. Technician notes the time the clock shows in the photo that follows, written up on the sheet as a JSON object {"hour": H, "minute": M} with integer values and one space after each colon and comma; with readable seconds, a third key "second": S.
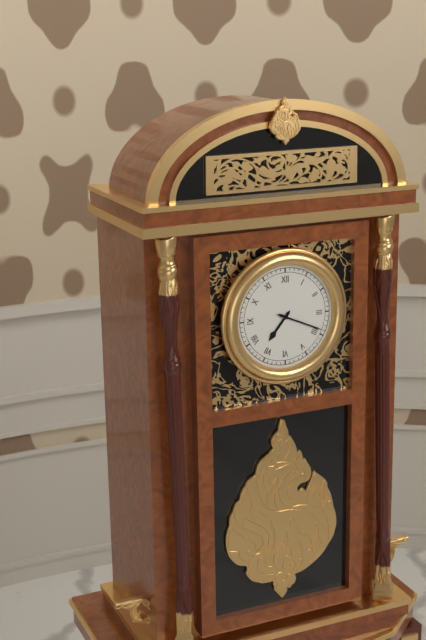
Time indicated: {"hour": 7, "minute": 19}
